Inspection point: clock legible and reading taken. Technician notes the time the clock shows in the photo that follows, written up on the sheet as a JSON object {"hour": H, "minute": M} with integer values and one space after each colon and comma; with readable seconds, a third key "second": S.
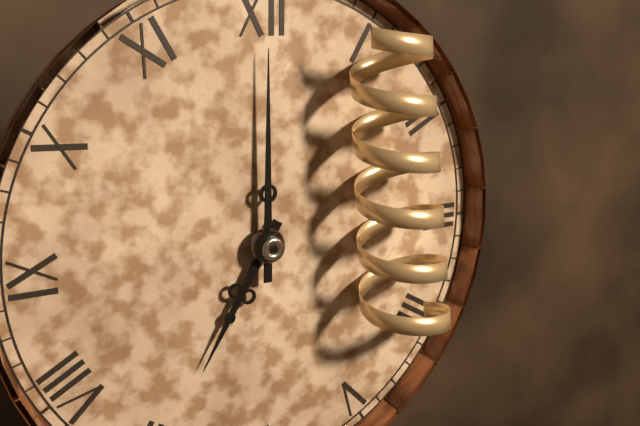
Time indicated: {"hour": 7, "minute": 0}
